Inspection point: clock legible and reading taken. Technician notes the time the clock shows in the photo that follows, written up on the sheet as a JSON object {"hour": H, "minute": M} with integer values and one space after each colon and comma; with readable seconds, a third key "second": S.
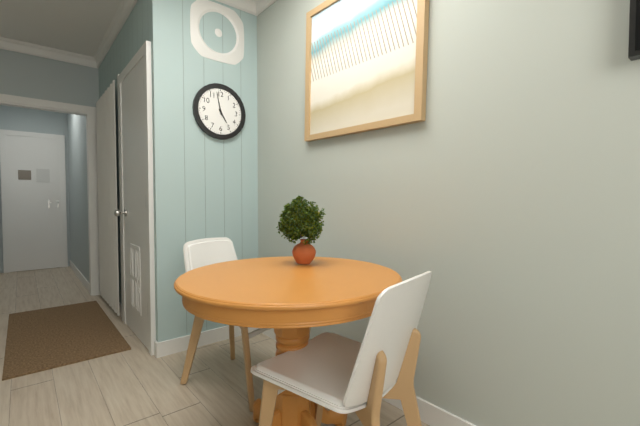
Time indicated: {"hour": 4, "minute": 58}
